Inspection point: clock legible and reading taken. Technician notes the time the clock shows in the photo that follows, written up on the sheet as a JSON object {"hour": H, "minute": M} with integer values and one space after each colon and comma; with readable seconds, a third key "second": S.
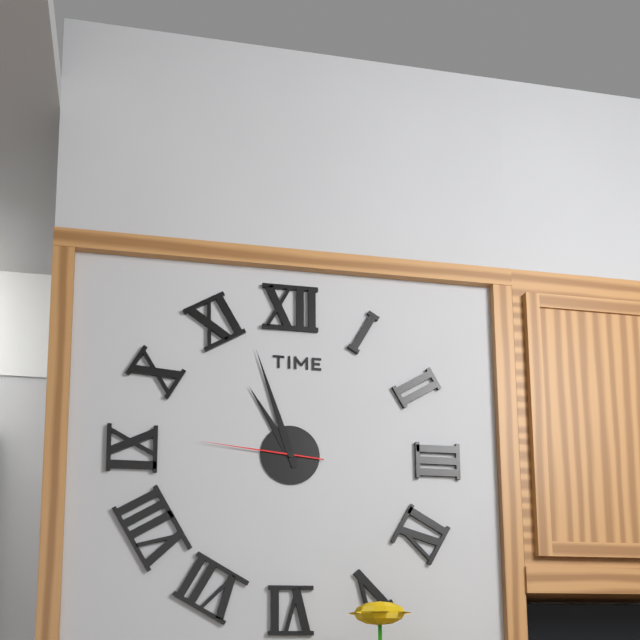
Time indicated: {"hour": 10, "minute": 57, "second": 46}
